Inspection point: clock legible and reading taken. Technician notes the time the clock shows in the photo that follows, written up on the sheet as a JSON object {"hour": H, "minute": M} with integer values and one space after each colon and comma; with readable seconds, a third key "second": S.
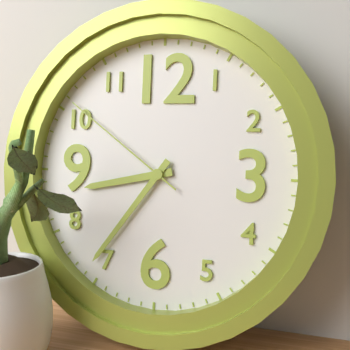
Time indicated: {"hour": 8, "minute": 36, "second": 51}
